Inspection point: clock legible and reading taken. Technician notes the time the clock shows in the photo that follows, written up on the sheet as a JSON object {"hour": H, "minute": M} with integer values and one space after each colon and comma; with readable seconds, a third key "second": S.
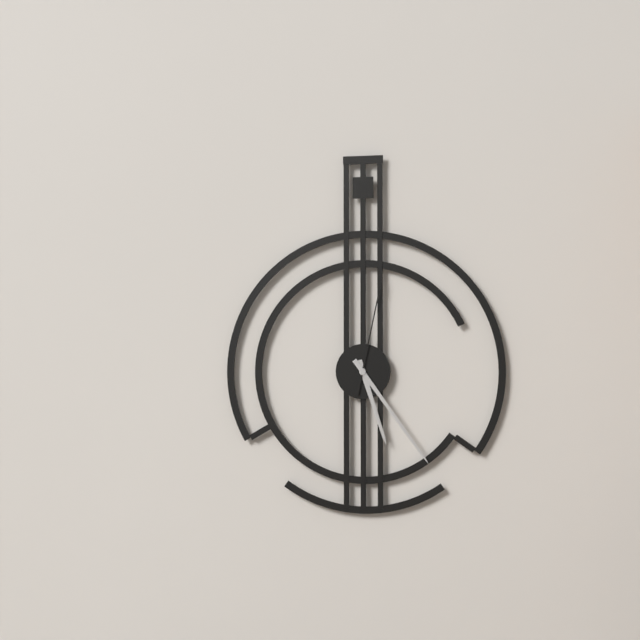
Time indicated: {"hour": 5, "minute": 24, "second": 2}
